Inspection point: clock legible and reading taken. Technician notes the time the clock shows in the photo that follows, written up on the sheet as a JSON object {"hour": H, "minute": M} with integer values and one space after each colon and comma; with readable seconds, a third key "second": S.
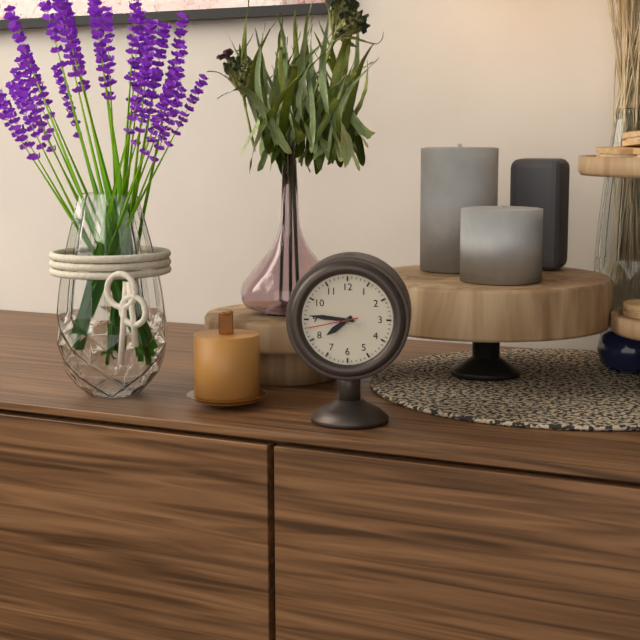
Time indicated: {"hour": 7, "minute": 46, "second": 43}
